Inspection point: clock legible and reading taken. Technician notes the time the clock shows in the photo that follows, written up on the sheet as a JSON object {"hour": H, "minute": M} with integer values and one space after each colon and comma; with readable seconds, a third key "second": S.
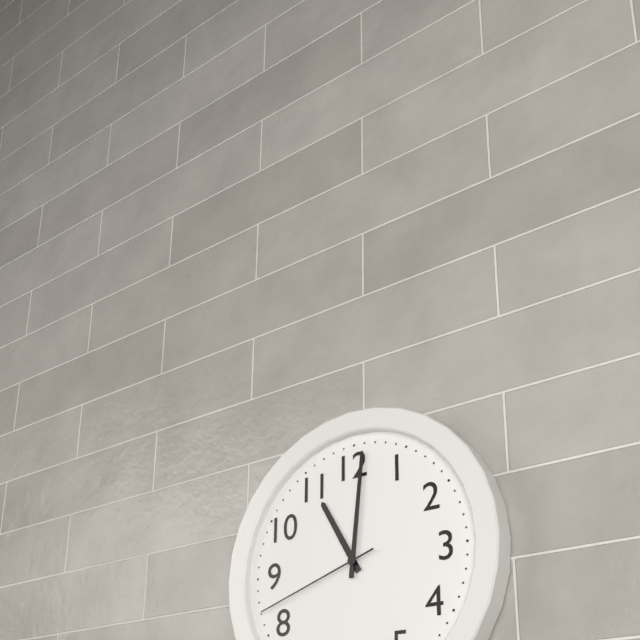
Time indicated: {"hour": 11, "minute": 1, "second": 42}
